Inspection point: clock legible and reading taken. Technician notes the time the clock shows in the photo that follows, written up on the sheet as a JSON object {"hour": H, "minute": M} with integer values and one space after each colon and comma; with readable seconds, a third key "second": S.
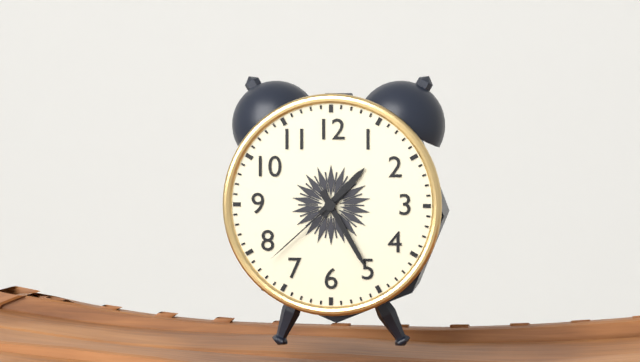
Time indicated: {"hour": 1, "minute": 25, "second": 38}
